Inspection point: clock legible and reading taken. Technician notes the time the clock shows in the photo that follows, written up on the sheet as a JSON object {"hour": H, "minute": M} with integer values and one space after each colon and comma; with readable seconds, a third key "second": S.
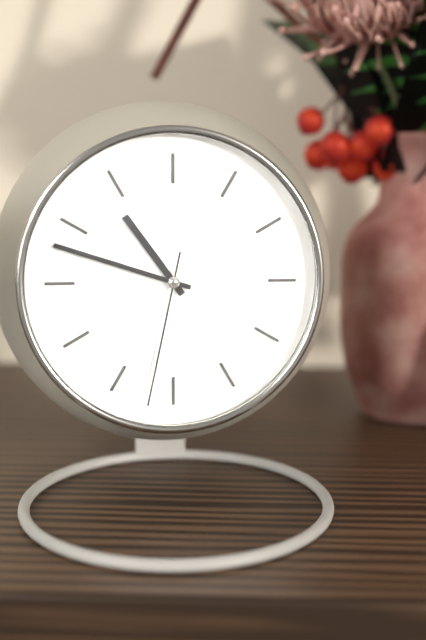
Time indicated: {"hour": 10, "minute": 48, "second": 32}
